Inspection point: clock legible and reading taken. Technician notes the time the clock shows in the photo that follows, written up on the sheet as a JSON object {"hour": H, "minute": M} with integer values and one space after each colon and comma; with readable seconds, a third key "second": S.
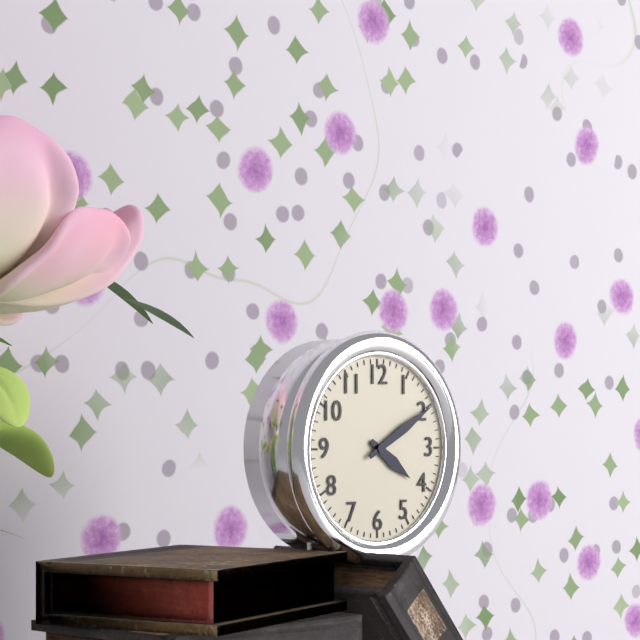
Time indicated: {"hour": 4, "minute": 10}
